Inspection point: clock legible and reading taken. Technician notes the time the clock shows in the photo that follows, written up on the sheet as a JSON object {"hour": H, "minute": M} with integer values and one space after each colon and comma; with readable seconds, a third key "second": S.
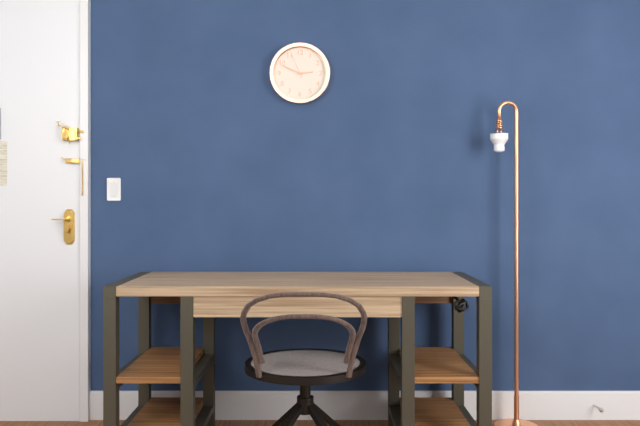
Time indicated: {"hour": 2, "minute": 49}
